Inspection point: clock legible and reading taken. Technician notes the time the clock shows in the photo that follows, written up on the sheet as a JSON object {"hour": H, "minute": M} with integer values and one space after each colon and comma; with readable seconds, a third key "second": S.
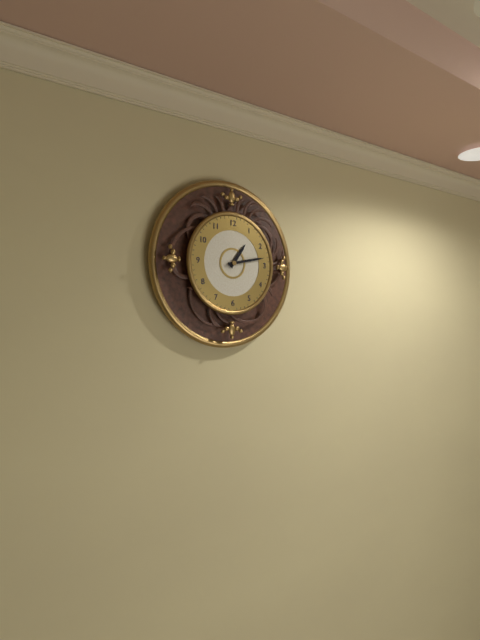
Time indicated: {"hour": 1, "minute": 13}
